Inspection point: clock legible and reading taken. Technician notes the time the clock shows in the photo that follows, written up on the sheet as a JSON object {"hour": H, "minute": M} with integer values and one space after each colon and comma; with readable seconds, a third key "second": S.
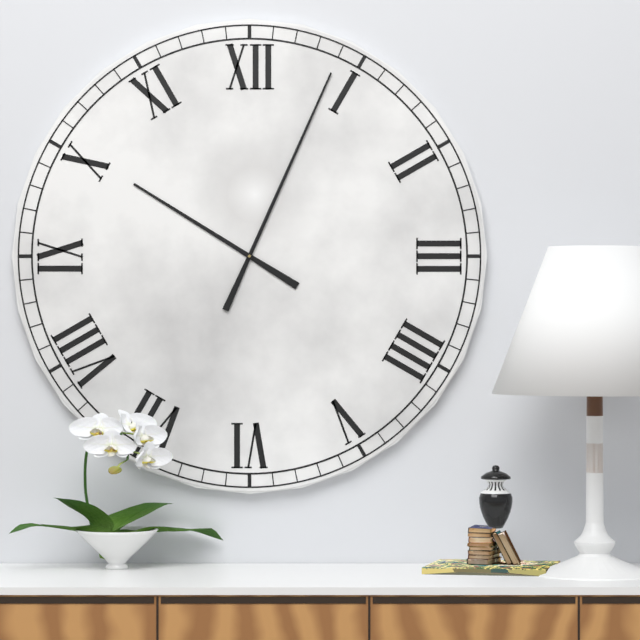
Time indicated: {"hour": 10, "minute": 4}
